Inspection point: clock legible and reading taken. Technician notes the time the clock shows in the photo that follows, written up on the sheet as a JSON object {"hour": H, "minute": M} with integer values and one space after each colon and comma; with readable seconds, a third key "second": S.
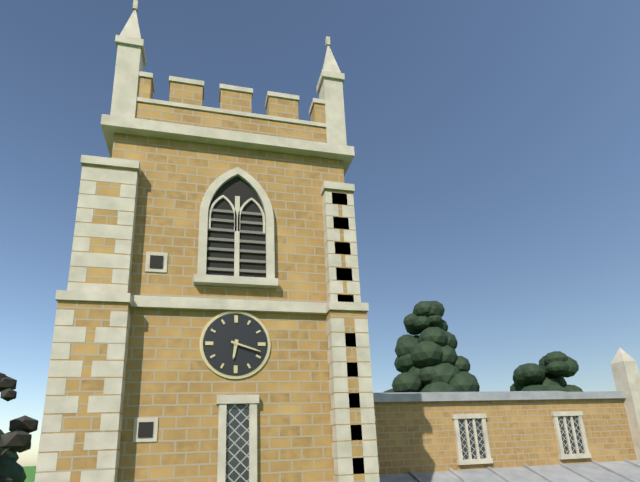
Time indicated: {"hour": 6, "minute": 18}
